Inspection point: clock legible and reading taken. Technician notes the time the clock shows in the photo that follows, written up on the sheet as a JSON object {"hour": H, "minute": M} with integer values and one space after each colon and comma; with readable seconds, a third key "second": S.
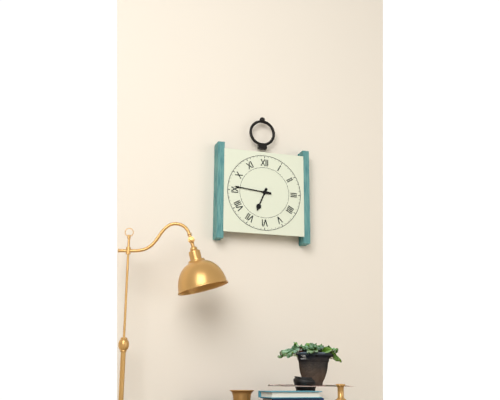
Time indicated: {"hour": 6, "minute": 46}
